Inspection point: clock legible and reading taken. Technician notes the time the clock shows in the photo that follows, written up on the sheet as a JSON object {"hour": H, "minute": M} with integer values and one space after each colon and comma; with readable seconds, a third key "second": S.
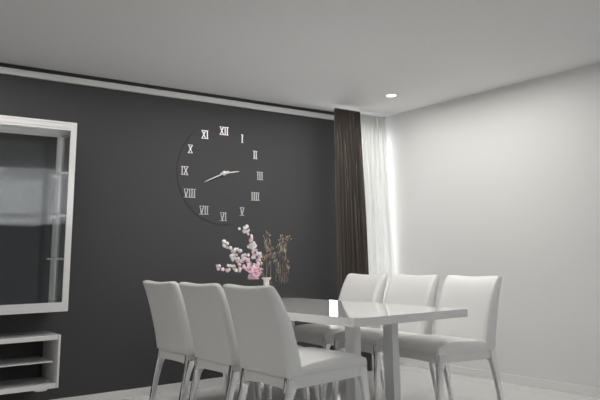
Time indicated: {"hour": 2, "minute": 41}
